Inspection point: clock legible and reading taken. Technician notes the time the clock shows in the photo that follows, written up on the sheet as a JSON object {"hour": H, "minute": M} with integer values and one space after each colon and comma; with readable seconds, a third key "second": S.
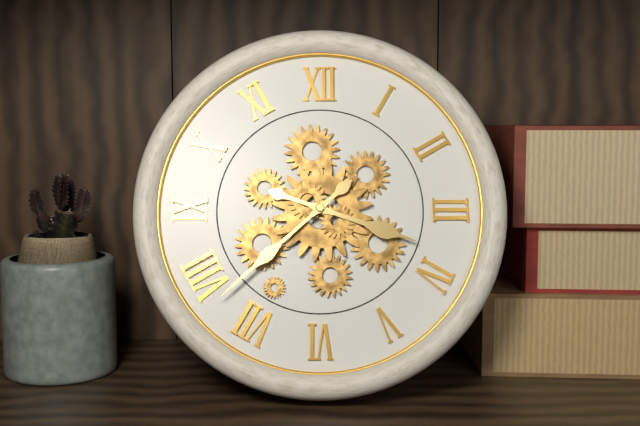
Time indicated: {"hour": 3, "minute": 38}
